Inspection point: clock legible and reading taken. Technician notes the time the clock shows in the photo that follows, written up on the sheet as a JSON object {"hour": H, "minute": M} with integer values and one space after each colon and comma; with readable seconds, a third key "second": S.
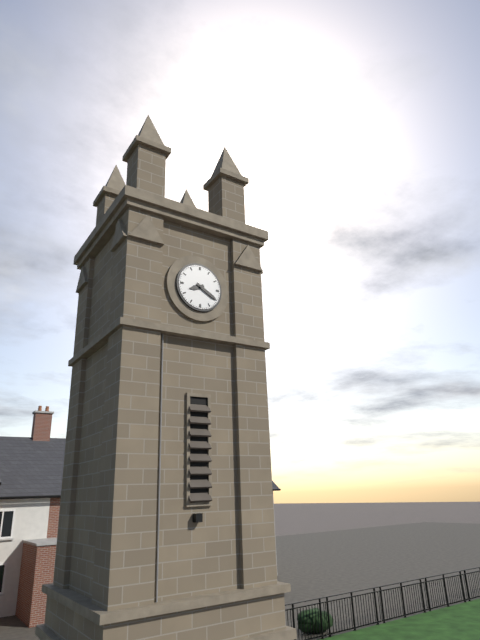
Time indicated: {"hour": 8, "minute": 20}
